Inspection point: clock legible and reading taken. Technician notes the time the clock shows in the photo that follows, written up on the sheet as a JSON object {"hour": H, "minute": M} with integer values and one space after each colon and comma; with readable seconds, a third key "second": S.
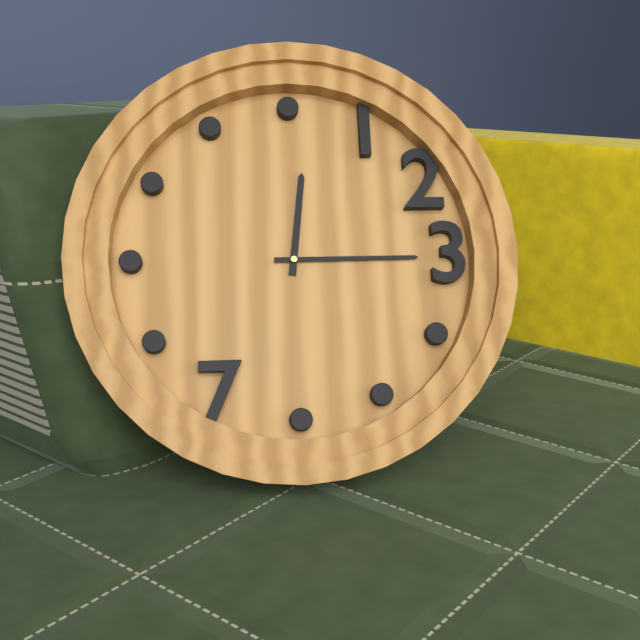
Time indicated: {"hour": 12, "minute": 15}
